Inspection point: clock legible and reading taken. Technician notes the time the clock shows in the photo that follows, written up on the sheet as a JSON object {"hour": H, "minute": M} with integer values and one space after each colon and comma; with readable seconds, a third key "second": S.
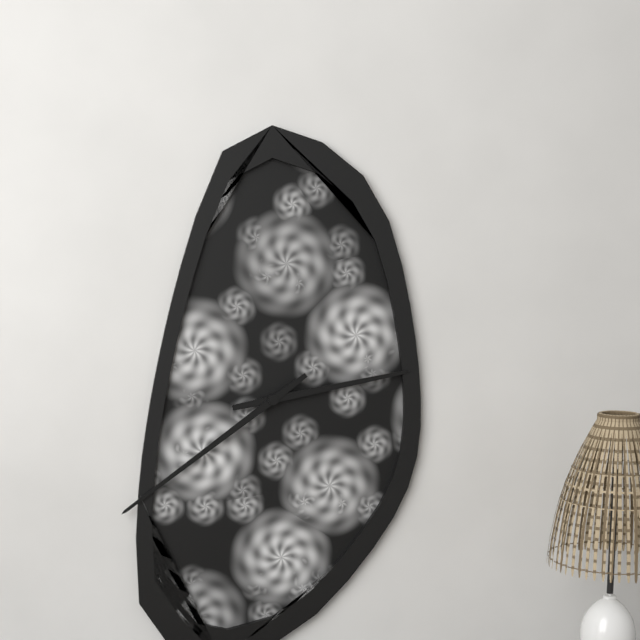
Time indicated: {"hour": 2, "minute": 39}
